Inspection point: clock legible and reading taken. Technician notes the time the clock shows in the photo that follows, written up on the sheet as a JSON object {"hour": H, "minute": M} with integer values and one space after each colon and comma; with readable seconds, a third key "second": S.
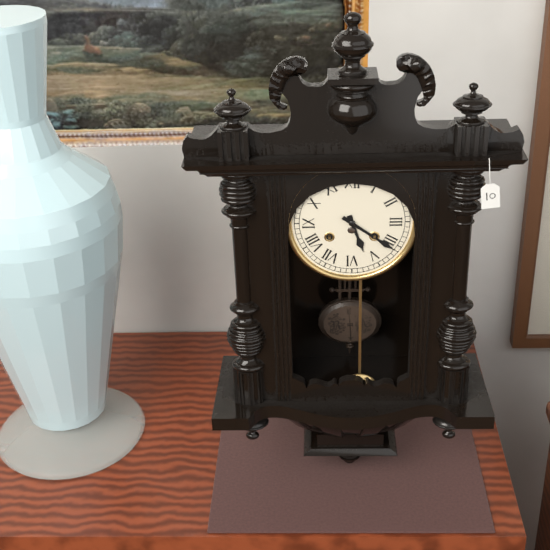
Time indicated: {"hour": 5, "minute": 21}
